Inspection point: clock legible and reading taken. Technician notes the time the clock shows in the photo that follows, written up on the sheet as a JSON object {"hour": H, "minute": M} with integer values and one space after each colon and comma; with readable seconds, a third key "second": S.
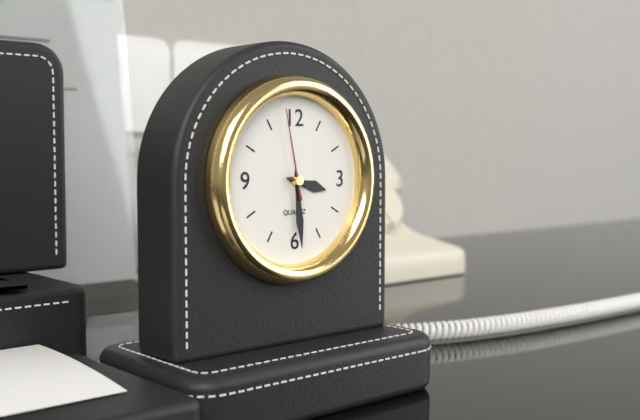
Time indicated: {"hour": 3, "minute": 29, "second": 58}
